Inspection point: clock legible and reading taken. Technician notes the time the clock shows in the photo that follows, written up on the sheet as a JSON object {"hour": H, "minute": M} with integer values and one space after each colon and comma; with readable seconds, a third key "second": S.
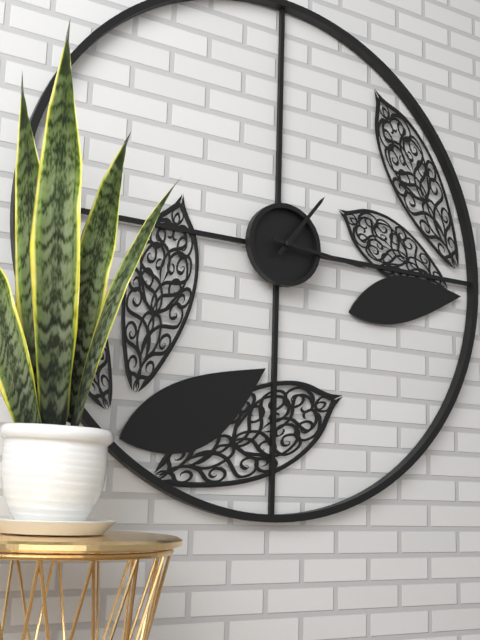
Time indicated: {"hour": 1, "minute": 16}
